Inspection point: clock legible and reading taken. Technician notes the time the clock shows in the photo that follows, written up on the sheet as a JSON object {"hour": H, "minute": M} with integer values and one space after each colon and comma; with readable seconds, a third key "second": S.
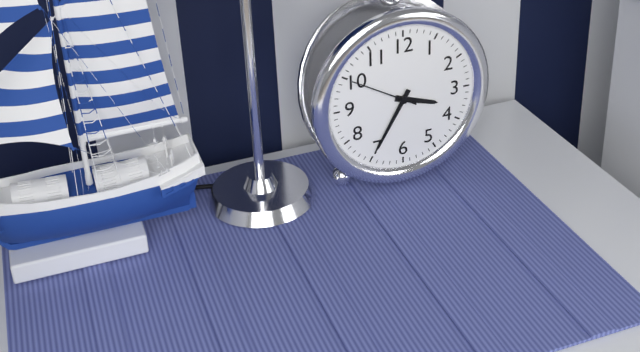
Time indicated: {"hour": 3, "minute": 35, "second": 50}
